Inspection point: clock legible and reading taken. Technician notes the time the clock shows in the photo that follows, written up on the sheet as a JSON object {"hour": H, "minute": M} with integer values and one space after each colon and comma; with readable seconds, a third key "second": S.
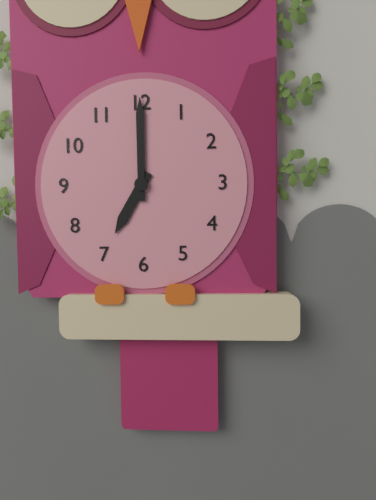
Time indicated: {"hour": 7, "minute": 0}
